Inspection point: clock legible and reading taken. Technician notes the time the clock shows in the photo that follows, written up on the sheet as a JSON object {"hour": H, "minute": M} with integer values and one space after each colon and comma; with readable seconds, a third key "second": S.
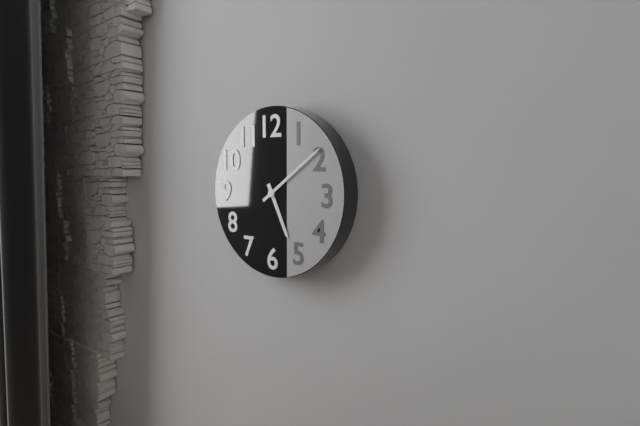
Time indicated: {"hour": 5, "minute": 9}
